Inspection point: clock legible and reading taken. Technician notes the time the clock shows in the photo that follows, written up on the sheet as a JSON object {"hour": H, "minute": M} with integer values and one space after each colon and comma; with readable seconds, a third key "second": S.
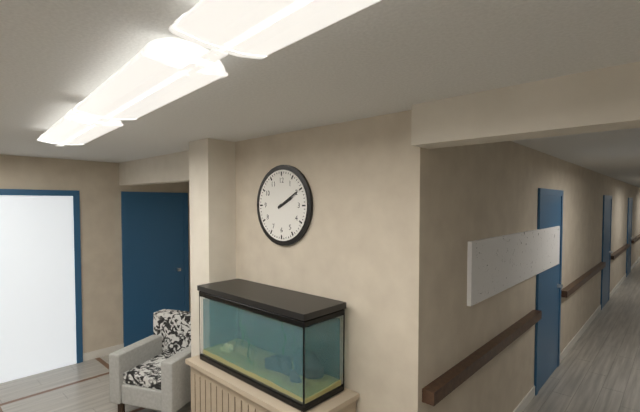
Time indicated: {"hour": 2, "minute": 10}
